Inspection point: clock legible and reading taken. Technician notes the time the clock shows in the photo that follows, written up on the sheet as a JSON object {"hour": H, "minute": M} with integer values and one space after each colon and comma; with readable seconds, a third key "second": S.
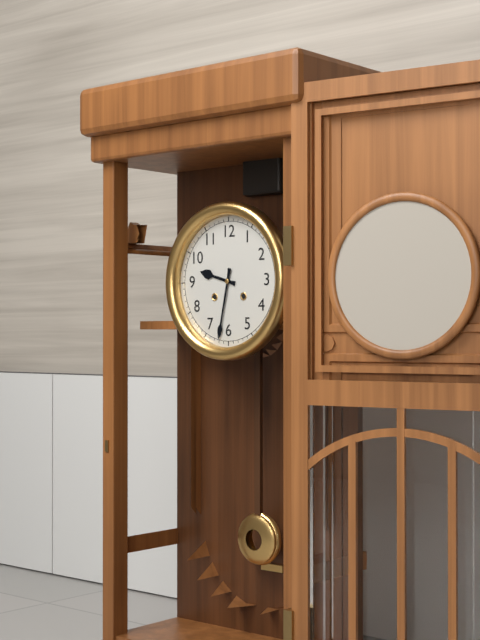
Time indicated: {"hour": 9, "minute": 32}
